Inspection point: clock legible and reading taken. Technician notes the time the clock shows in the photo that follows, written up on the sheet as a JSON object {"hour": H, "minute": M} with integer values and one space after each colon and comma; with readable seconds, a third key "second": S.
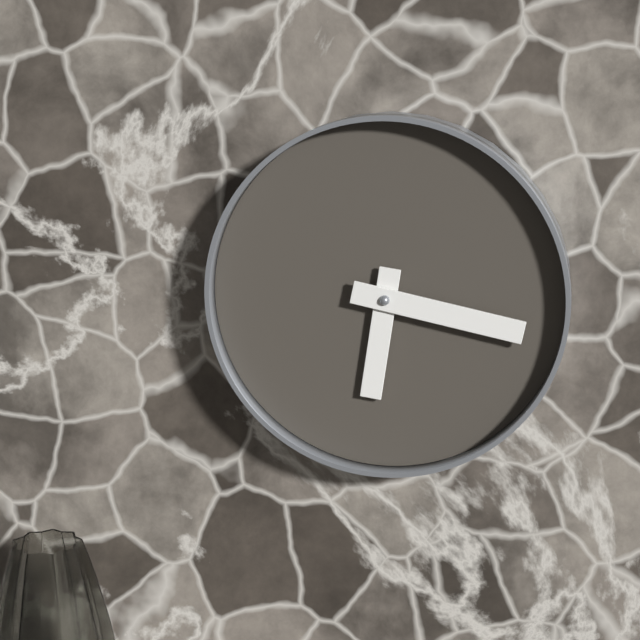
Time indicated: {"hour": 6, "minute": 17}
